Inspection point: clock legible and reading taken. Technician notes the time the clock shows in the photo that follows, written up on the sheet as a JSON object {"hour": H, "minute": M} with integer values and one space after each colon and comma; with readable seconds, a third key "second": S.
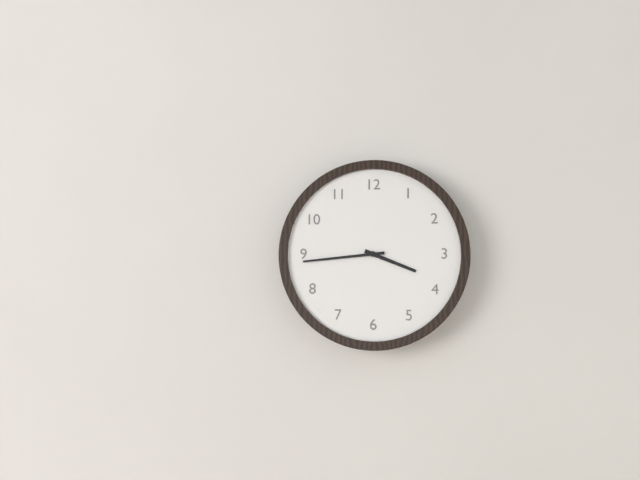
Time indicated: {"hour": 3, "minute": 44}
